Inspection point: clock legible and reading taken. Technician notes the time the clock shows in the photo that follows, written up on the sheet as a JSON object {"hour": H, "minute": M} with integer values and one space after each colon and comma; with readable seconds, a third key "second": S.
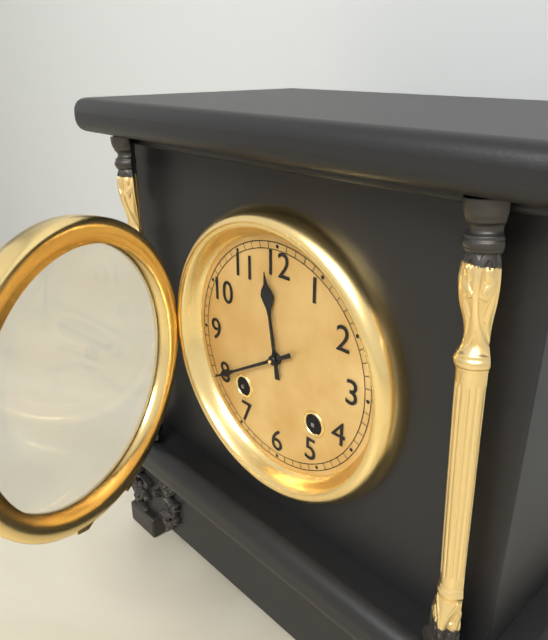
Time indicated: {"hour": 11, "minute": 40}
